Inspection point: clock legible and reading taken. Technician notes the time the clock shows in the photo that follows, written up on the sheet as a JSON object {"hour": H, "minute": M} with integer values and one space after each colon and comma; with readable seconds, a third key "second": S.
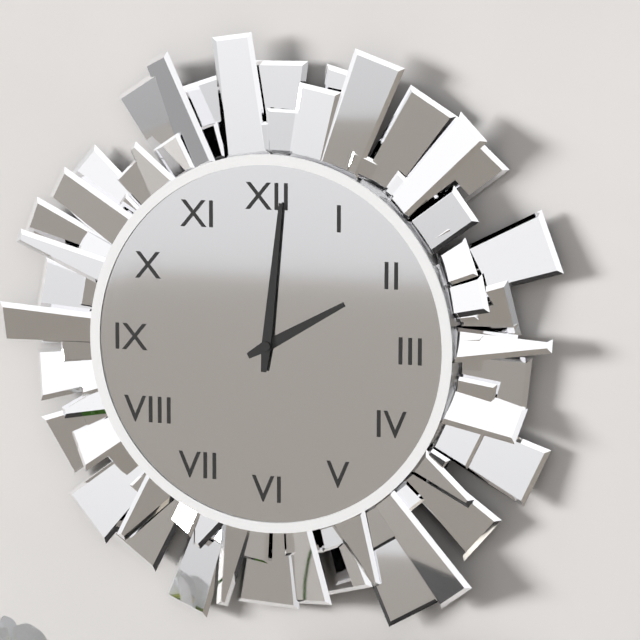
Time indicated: {"hour": 2, "minute": 1}
